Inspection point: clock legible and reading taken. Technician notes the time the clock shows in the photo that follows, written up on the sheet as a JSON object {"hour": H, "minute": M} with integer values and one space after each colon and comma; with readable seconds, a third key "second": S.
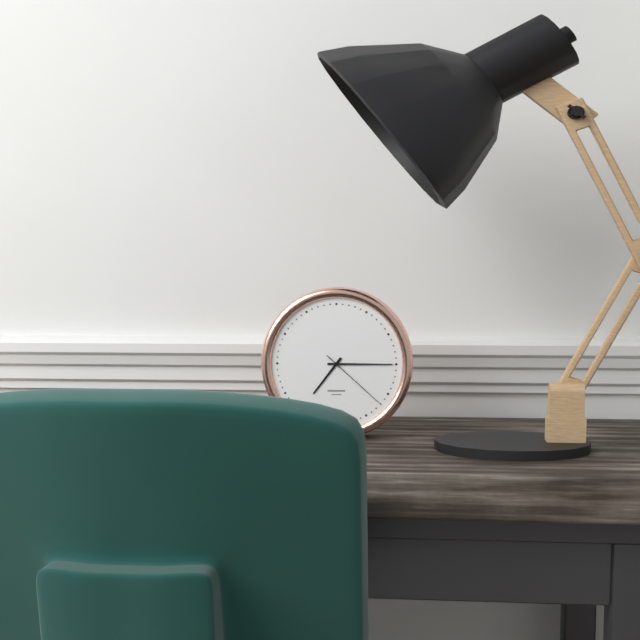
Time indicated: {"hour": 7, "minute": 15, "second": 22}
